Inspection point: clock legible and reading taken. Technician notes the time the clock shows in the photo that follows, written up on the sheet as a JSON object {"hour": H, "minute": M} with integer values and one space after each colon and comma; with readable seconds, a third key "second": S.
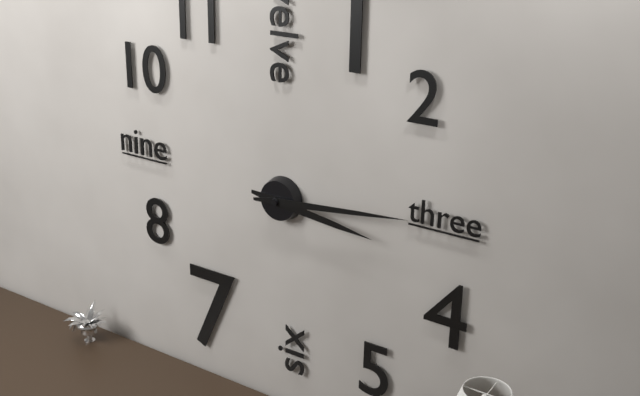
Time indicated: {"hour": 3, "minute": 14}
